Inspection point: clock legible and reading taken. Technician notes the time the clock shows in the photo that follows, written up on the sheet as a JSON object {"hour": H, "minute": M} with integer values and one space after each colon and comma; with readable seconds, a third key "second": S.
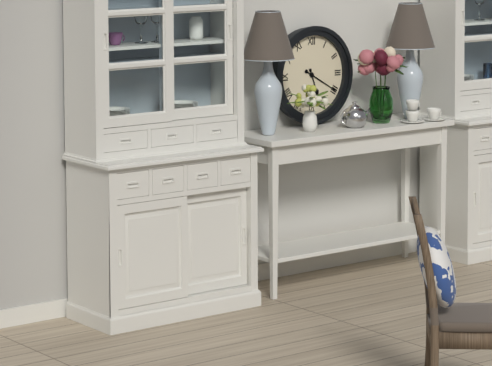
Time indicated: {"hour": 5, "minute": 20}
